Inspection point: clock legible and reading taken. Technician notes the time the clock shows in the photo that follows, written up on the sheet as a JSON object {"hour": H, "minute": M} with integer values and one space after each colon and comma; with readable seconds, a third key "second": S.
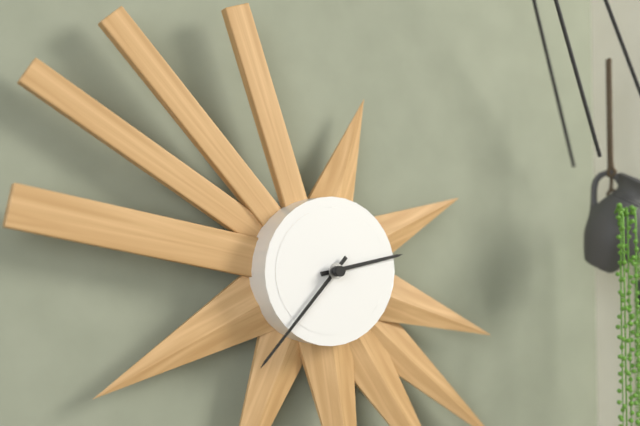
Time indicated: {"hour": 2, "minute": 37}
